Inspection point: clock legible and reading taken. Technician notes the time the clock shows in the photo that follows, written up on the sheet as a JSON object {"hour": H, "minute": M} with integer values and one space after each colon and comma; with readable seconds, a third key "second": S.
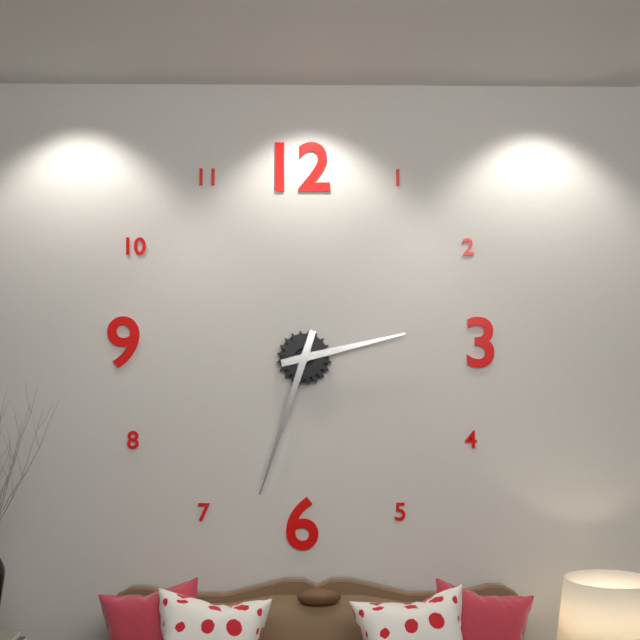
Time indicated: {"hour": 2, "minute": 33}
